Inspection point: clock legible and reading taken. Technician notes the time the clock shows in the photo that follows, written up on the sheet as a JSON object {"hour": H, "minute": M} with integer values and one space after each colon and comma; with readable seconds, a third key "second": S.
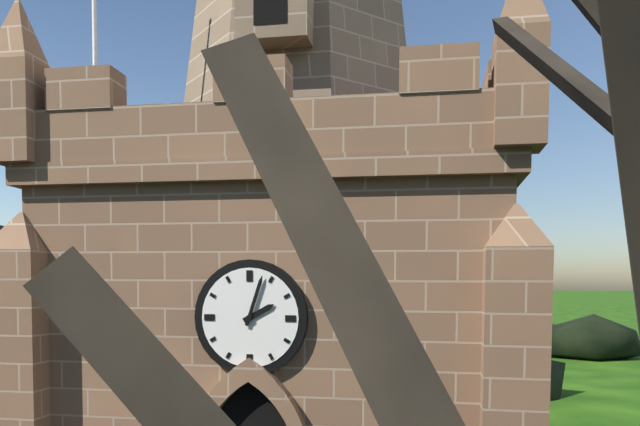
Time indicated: {"hour": 2, "minute": 3}
